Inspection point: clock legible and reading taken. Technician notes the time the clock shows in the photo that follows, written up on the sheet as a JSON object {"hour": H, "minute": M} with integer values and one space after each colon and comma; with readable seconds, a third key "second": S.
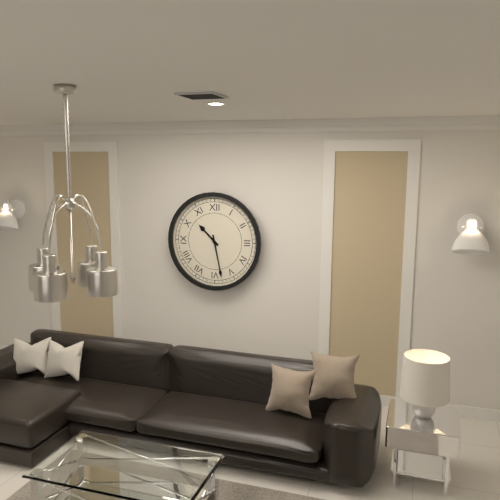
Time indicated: {"hour": 10, "minute": 28}
